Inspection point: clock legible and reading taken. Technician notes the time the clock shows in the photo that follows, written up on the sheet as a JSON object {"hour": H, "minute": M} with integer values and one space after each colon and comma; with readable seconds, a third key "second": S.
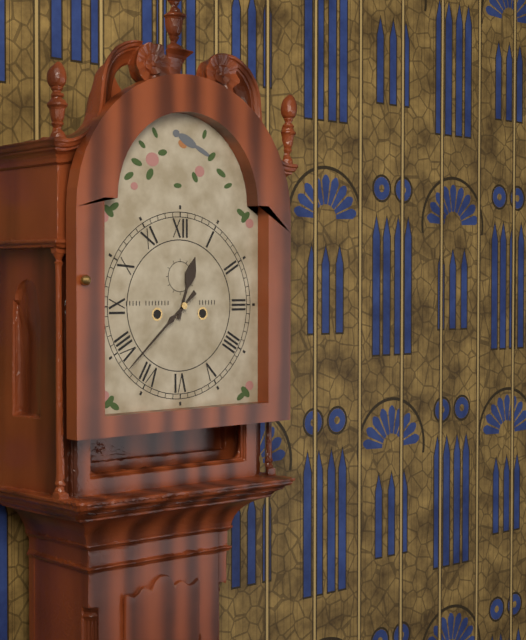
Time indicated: {"hour": 12, "minute": 38}
